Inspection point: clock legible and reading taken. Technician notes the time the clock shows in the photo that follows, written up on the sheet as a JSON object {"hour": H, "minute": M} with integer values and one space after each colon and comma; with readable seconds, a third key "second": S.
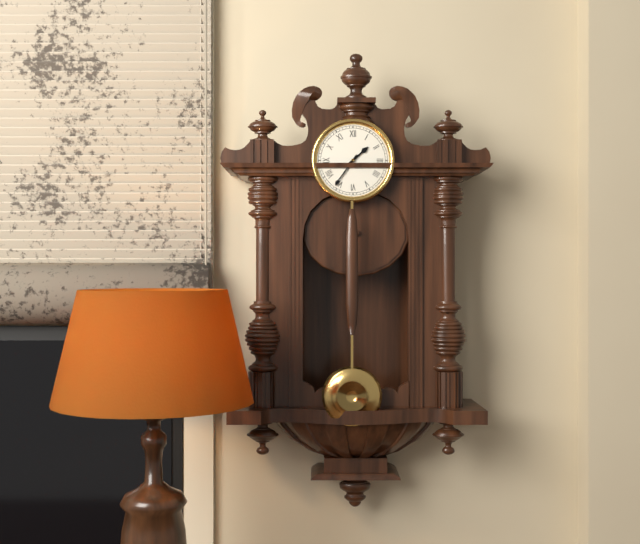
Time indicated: {"hour": 1, "minute": 36}
